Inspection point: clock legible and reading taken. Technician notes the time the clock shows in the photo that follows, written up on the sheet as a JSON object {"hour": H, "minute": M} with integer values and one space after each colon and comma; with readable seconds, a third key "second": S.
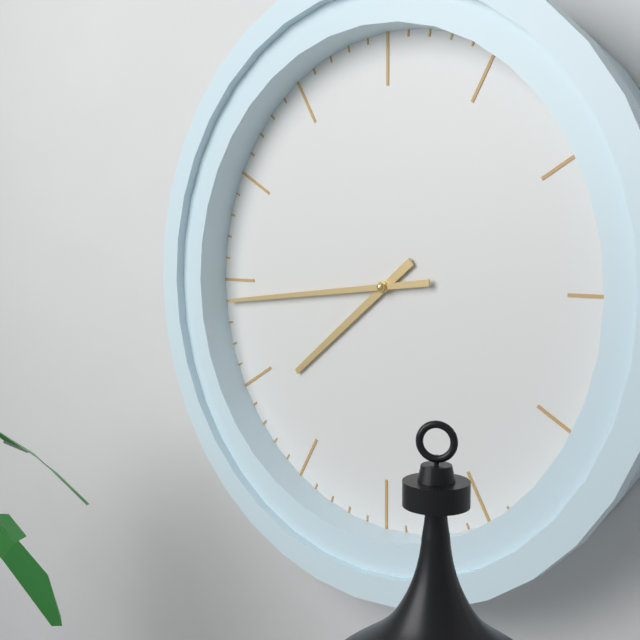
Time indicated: {"hour": 7, "minute": 44}
